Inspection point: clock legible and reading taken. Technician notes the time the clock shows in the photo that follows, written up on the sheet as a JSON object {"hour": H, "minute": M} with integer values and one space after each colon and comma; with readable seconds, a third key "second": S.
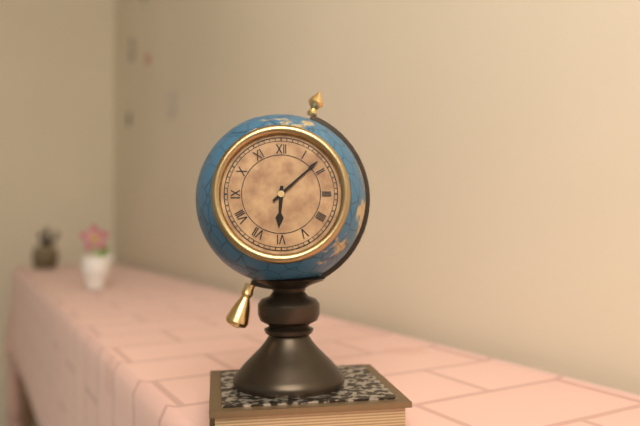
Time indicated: {"hour": 6, "minute": 8}
